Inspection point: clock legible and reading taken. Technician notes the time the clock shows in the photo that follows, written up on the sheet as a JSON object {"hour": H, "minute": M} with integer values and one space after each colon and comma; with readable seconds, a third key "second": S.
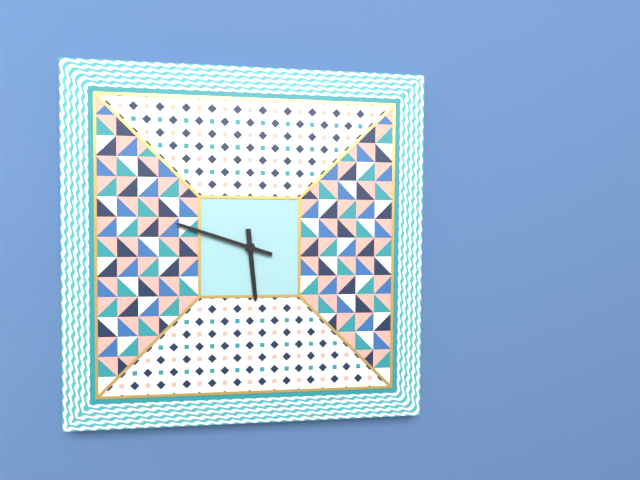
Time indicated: {"hour": 5, "minute": 48}
